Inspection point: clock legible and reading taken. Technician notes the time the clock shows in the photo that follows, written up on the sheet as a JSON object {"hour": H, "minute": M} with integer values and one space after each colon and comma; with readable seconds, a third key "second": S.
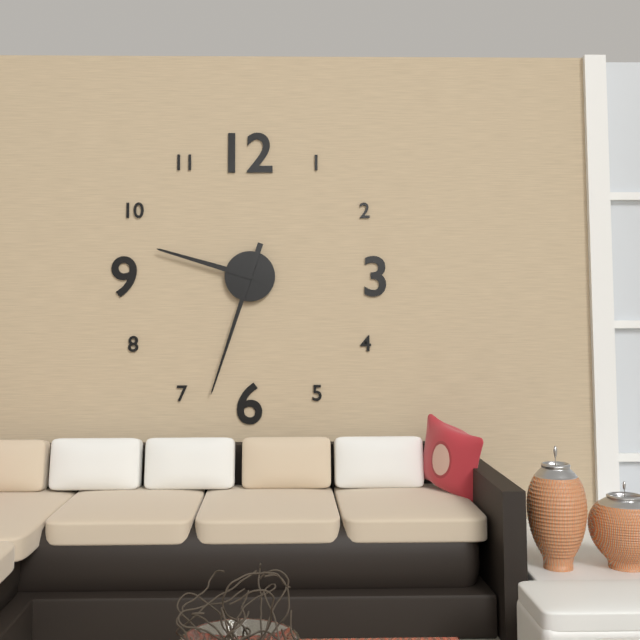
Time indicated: {"hour": 9, "minute": 33}
